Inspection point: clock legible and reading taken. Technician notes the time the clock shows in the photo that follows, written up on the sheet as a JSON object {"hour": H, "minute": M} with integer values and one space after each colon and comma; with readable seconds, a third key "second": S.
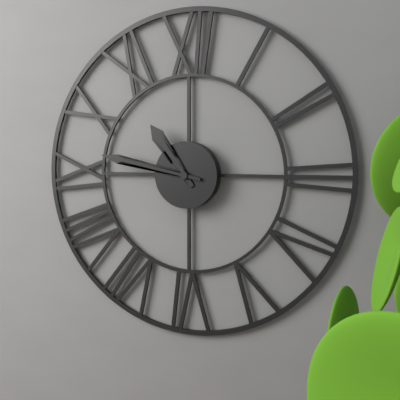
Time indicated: {"hour": 10, "minute": 47}
